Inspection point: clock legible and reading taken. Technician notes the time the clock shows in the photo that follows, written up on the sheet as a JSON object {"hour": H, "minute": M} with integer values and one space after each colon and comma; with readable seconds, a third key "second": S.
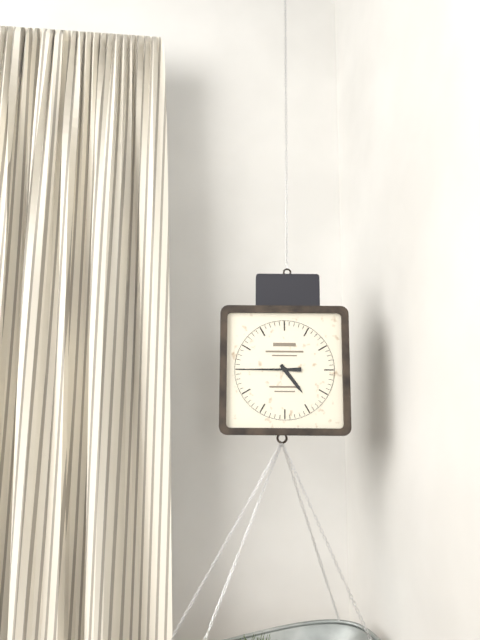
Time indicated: {"hour": 4, "minute": 45}
